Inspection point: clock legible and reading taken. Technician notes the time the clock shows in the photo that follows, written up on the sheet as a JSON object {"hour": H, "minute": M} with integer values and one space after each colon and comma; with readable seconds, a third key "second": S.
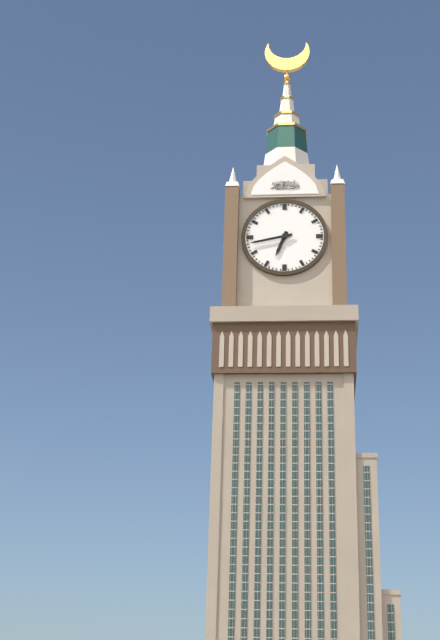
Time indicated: {"hour": 6, "minute": 43}
